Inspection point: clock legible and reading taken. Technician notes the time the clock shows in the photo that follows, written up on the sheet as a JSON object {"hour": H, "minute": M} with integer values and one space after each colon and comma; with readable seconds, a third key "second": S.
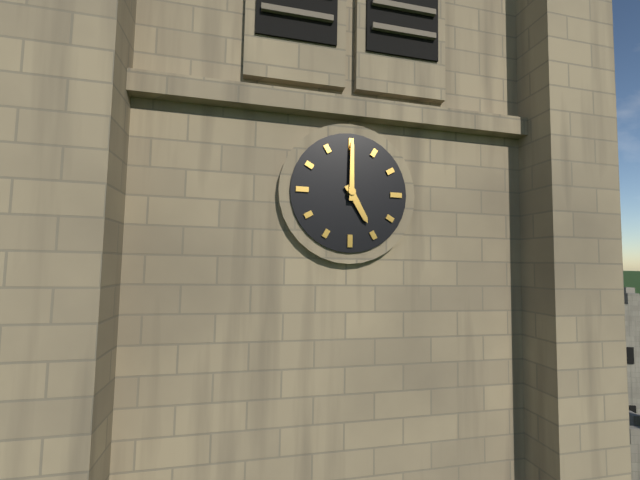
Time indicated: {"hour": 5, "minute": 0}
